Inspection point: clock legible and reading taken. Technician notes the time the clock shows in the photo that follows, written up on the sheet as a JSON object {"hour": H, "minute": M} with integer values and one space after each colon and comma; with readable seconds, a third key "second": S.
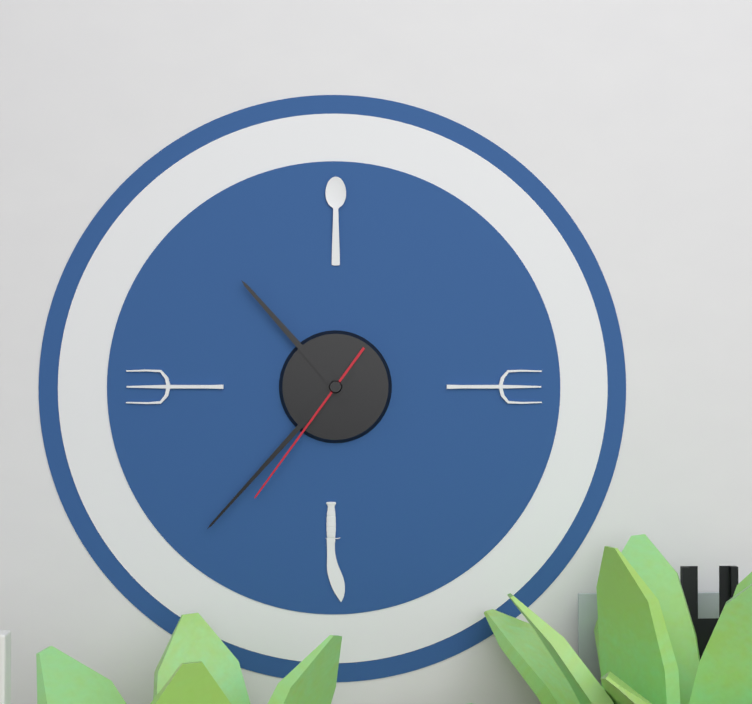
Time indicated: {"hour": 10, "minute": 37, "second": 36}
